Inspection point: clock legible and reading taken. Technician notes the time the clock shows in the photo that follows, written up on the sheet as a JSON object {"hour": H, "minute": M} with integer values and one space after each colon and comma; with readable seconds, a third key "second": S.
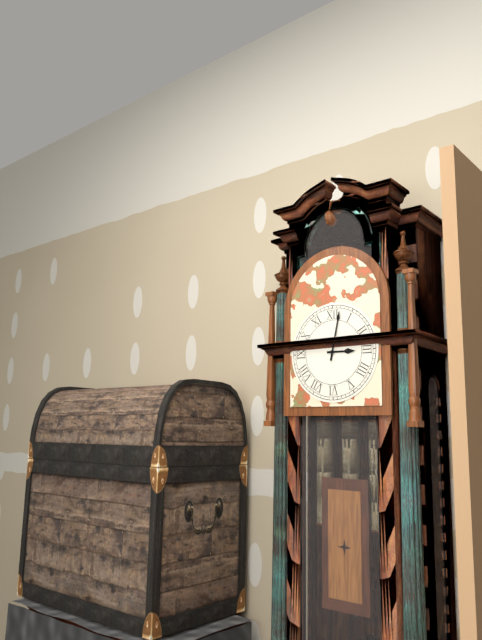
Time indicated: {"hour": 3, "minute": 2}
